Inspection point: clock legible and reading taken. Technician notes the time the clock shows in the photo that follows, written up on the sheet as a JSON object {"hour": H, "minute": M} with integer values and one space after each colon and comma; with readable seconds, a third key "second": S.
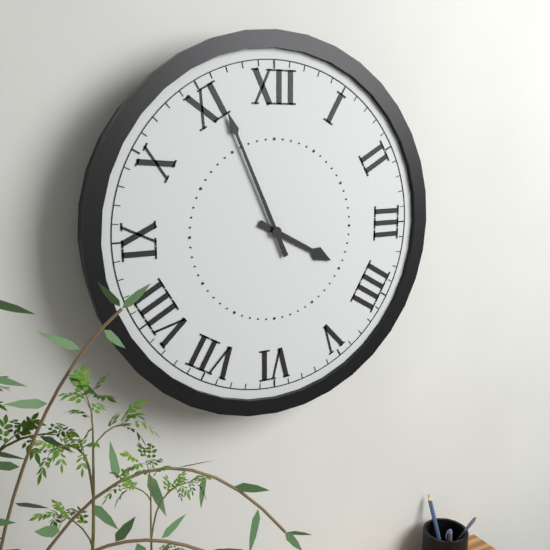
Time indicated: {"hour": 3, "minute": 56}
